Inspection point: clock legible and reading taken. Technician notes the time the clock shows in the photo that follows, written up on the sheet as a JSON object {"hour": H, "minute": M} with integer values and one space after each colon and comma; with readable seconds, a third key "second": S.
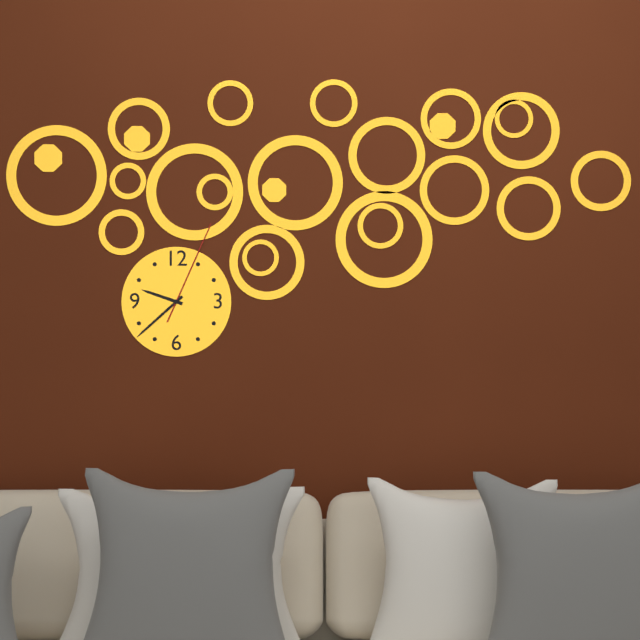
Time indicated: {"hour": 9, "minute": 38, "second": 4}
